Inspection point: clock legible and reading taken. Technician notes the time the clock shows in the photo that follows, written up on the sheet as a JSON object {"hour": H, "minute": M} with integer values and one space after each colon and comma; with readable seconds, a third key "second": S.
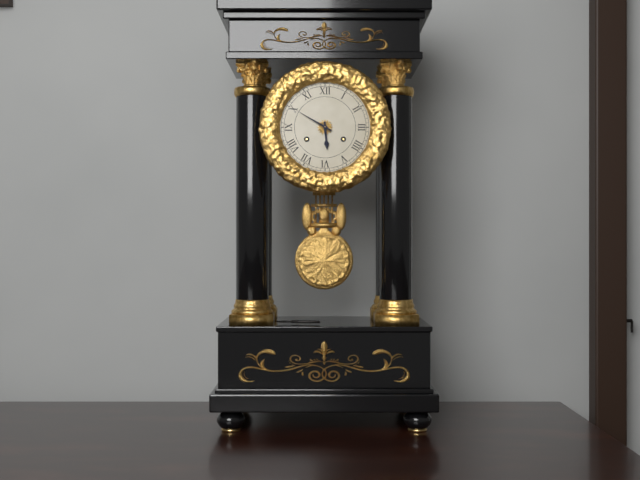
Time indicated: {"hour": 5, "minute": 50}
